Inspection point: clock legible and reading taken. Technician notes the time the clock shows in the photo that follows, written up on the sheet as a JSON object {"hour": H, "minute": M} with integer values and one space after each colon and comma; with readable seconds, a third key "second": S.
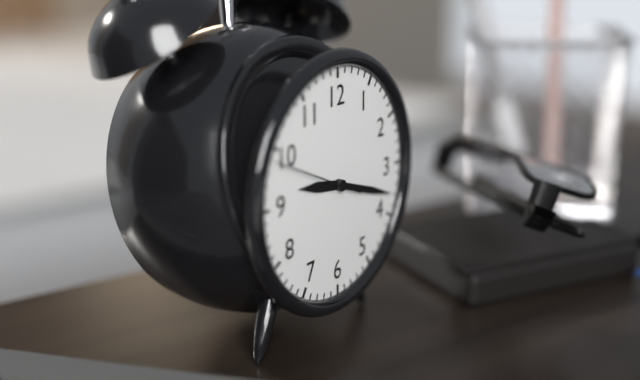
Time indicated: {"hour": 9, "minute": 18, "second": 49}
